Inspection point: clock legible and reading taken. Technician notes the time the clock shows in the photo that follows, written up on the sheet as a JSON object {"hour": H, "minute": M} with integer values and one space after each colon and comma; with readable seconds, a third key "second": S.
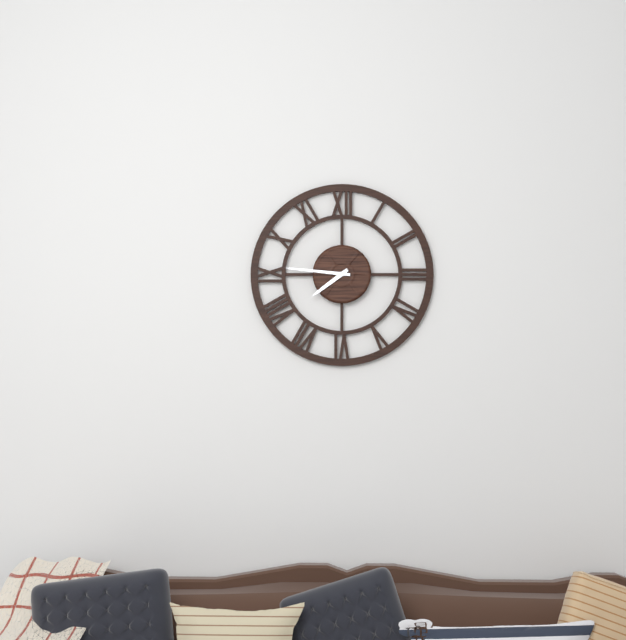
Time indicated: {"hour": 7, "minute": 46}
